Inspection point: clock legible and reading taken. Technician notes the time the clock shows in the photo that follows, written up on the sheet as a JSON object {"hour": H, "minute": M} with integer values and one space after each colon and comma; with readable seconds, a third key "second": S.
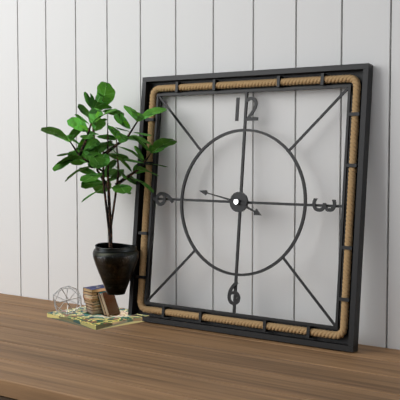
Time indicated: {"hour": 3, "minute": 47}
